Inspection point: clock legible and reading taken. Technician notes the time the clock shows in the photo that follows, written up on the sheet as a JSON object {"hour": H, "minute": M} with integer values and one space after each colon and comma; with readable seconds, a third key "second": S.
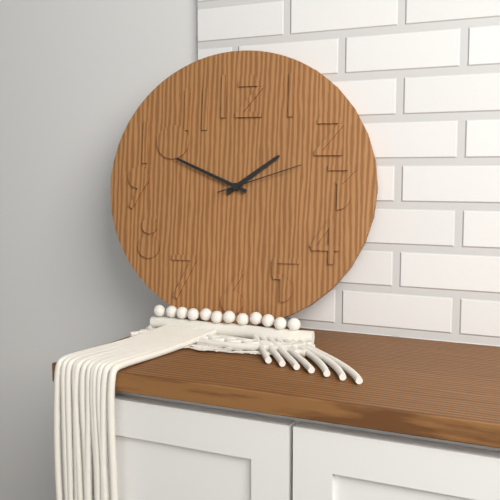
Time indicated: {"hour": 1, "minute": 49, "second": 12}
